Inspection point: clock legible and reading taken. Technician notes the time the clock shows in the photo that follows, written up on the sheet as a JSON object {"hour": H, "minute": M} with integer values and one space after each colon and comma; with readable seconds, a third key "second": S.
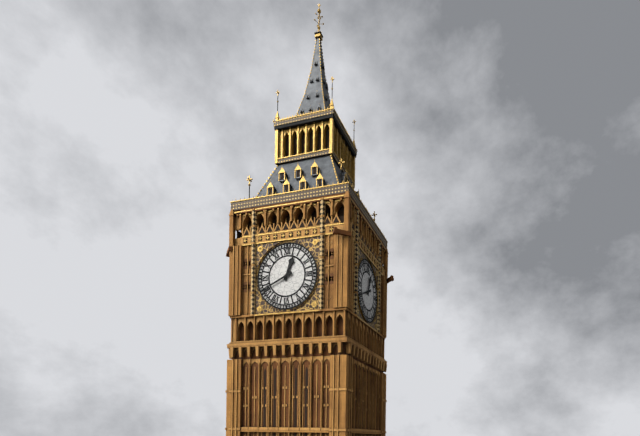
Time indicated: {"hour": 12, "minute": 41}
